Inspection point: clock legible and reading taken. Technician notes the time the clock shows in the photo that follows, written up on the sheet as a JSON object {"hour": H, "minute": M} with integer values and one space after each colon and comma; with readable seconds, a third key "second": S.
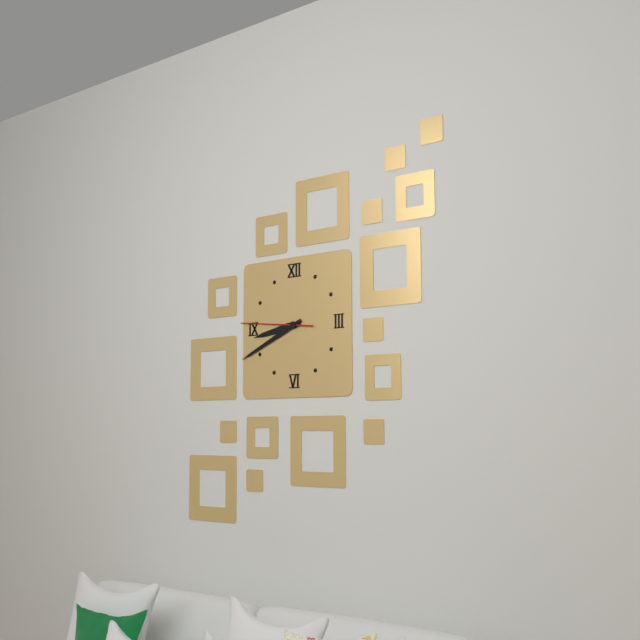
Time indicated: {"hour": 8, "minute": 41, "second": 46}
